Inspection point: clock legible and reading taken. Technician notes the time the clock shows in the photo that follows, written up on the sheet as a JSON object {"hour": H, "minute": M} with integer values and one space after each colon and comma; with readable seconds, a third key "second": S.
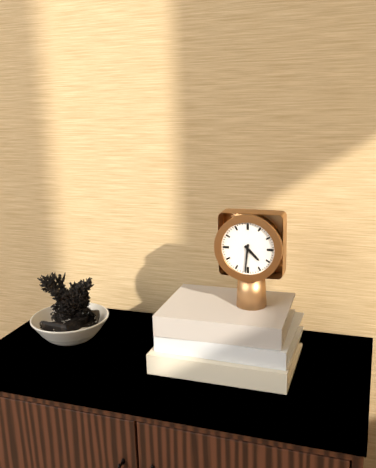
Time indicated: {"hour": 4, "minute": 31}
